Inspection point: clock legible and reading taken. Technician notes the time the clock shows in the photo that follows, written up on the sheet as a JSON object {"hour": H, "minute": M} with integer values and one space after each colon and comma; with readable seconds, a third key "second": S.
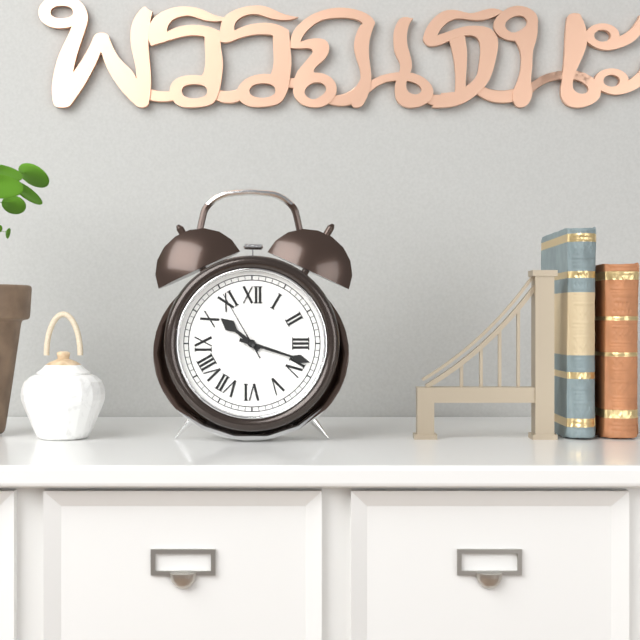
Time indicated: {"hour": 10, "minute": 18, "second": 55}
